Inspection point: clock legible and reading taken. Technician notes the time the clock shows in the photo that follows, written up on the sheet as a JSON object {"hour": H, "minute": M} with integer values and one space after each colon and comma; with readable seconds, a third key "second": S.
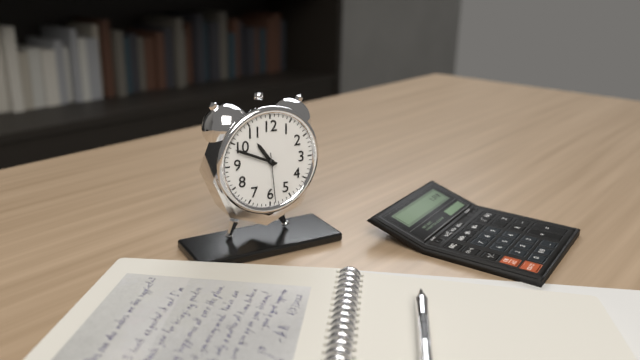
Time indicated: {"hour": 10, "minute": 49, "second": 29}
